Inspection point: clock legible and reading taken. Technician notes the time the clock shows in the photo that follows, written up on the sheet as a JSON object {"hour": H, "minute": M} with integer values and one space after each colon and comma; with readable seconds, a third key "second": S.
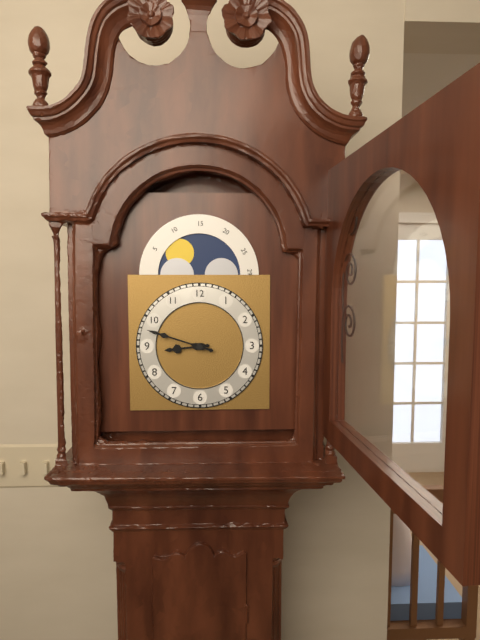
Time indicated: {"hour": 8, "minute": 48}
